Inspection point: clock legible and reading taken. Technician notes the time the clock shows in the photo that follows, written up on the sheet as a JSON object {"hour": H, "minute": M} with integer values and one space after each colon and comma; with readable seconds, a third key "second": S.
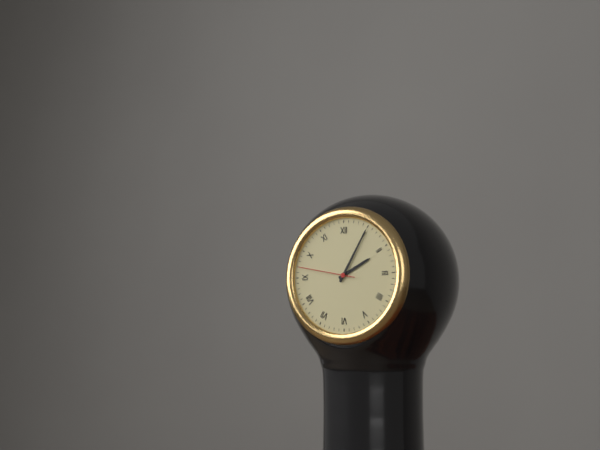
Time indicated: {"hour": 2, "minute": 5, "second": 47}
